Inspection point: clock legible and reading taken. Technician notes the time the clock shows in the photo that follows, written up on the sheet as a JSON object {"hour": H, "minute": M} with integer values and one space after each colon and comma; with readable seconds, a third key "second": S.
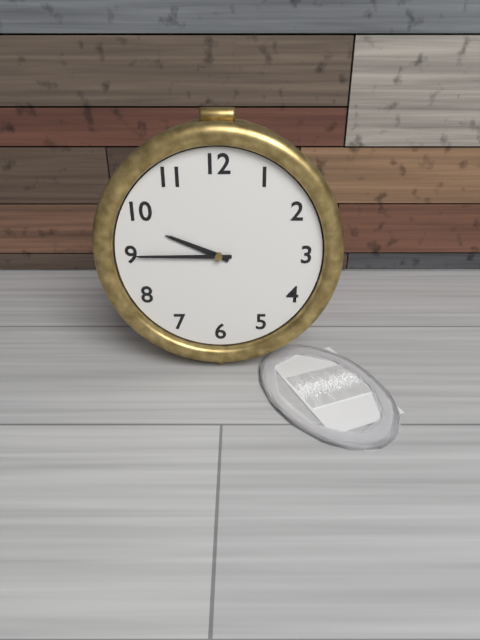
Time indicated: {"hour": 9, "minute": 45}
